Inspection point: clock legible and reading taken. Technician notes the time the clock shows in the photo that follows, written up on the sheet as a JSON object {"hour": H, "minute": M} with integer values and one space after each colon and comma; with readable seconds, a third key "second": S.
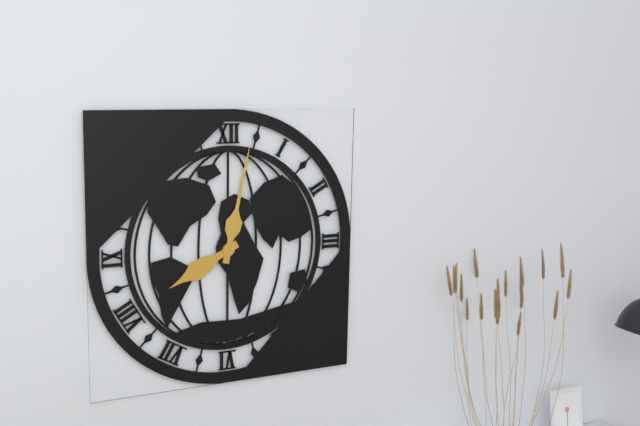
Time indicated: {"hour": 8, "minute": 2}
